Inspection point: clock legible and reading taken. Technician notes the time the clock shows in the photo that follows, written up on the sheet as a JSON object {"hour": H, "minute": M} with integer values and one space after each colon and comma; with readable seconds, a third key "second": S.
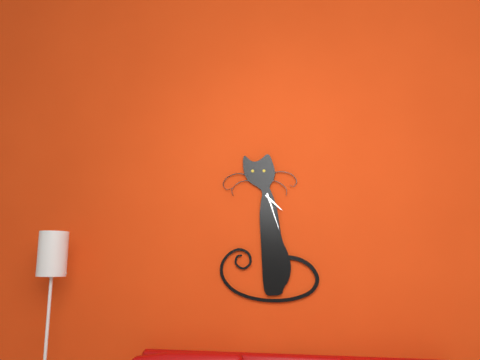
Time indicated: {"hour": 4, "minute": 27}
